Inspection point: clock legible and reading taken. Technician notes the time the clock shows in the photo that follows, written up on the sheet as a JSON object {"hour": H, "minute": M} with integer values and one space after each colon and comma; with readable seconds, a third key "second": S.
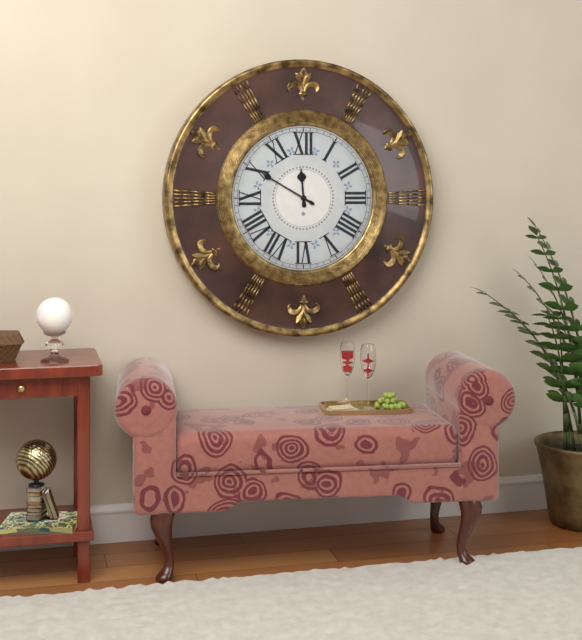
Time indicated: {"hour": 11, "minute": 50}
